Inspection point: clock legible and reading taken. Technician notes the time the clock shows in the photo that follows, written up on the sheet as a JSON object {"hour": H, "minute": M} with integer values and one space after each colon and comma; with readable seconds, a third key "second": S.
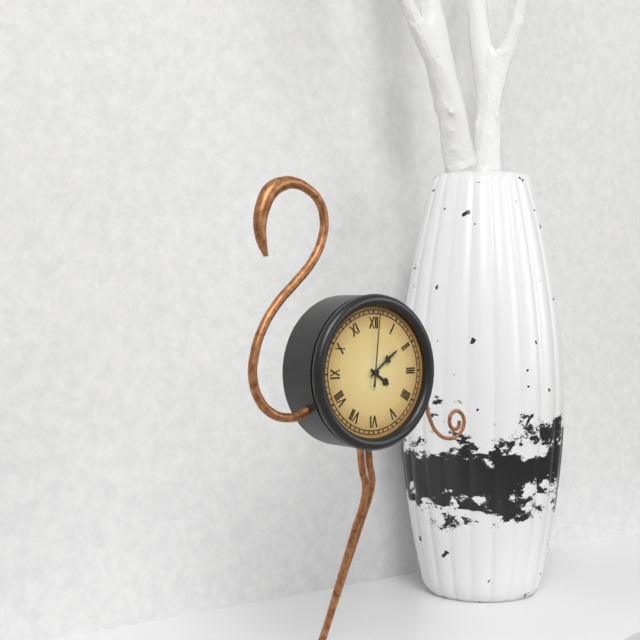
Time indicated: {"hour": 4, "minute": 9, "second": 1}
